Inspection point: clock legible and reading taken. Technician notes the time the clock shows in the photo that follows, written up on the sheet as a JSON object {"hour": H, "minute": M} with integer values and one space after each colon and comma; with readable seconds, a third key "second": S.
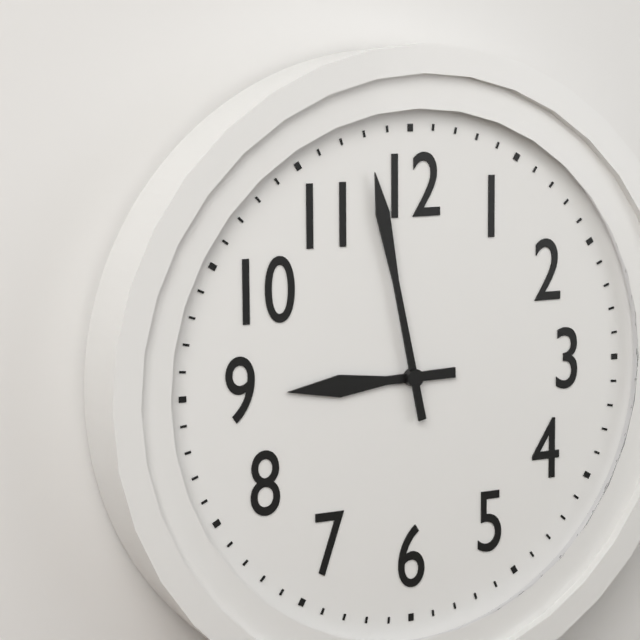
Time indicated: {"hour": 8, "minute": 58}
